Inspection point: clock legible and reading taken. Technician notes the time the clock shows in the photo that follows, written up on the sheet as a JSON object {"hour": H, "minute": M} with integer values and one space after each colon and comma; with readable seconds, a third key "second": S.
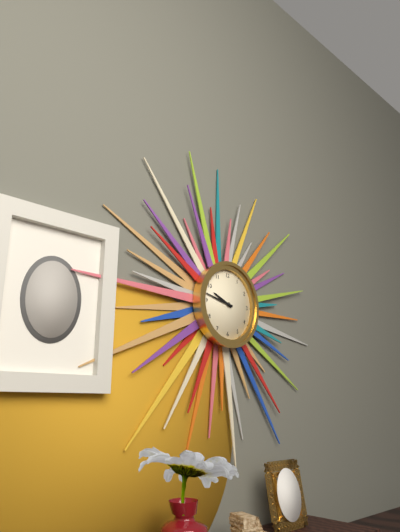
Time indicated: {"hour": 9, "minute": 47}
